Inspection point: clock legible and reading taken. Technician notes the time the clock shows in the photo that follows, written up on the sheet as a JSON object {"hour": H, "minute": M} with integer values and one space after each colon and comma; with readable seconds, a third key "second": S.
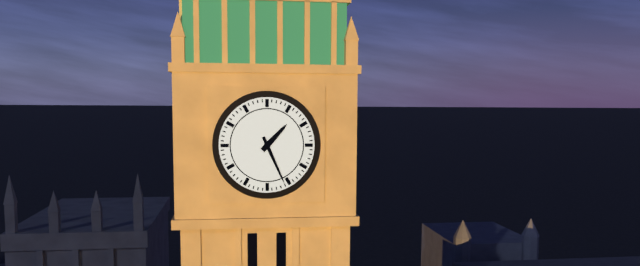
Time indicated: {"hour": 1, "minute": 26}
